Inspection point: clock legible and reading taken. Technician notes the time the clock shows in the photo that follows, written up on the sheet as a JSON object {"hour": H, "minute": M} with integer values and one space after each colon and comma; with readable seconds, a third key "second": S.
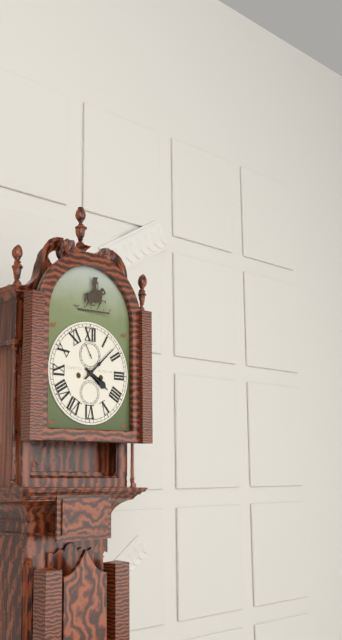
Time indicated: {"hour": 4, "minute": 8}
